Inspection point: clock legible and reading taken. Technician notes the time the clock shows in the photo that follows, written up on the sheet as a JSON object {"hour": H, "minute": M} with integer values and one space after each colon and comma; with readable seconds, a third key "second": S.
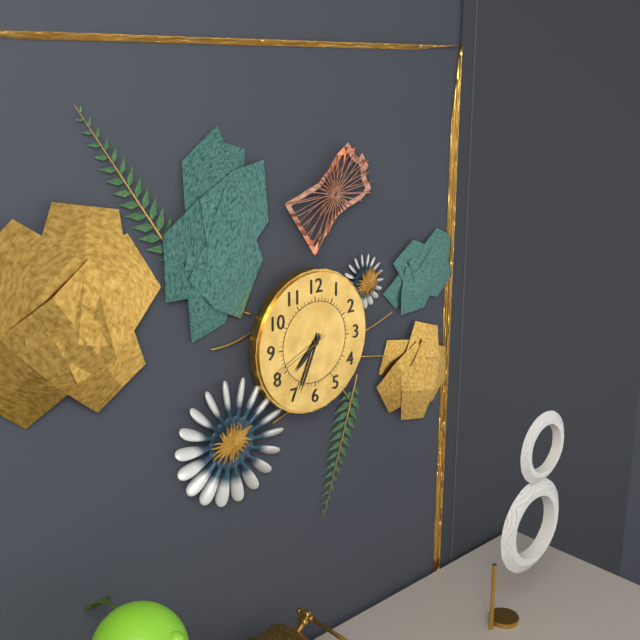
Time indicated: {"hour": 7, "minute": 34, "second": 41}
